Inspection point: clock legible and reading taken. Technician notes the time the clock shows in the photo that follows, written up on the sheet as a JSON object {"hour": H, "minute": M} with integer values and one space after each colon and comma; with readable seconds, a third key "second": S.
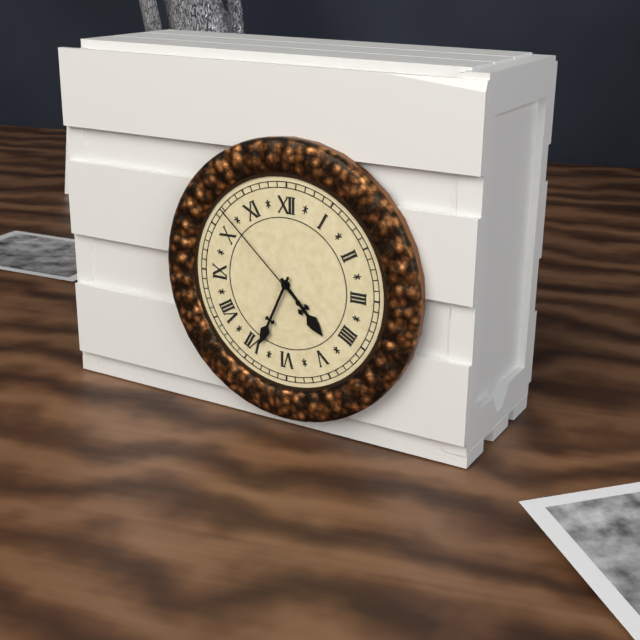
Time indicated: {"hour": 4, "minute": 34, "second": 52}
